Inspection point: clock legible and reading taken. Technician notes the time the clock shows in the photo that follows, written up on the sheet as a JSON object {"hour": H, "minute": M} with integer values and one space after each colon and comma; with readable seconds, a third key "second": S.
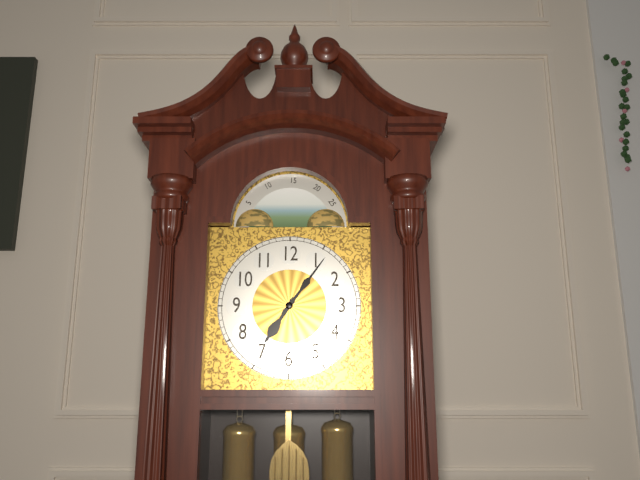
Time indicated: {"hour": 7, "minute": 6}
